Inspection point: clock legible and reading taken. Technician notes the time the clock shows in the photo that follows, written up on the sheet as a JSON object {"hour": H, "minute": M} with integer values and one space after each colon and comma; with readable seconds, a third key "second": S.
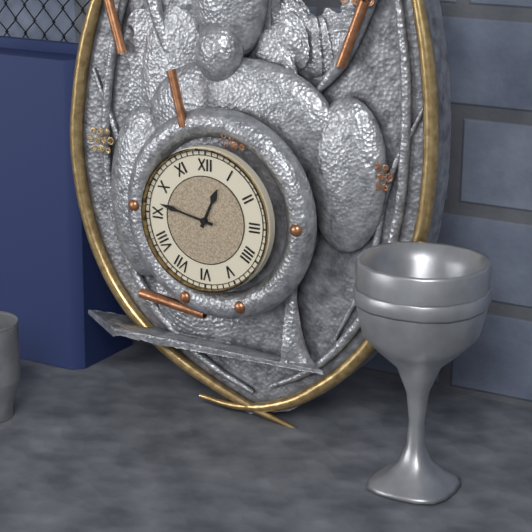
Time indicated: {"hour": 12, "minute": 47}
